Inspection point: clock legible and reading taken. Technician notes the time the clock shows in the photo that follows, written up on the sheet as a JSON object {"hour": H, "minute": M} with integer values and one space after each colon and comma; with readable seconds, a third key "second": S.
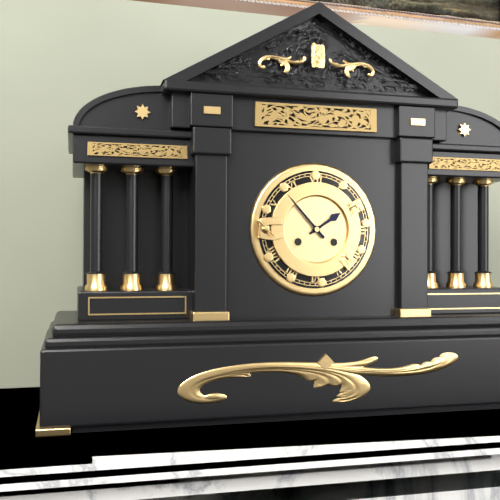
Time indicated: {"hour": 1, "minute": 53}
